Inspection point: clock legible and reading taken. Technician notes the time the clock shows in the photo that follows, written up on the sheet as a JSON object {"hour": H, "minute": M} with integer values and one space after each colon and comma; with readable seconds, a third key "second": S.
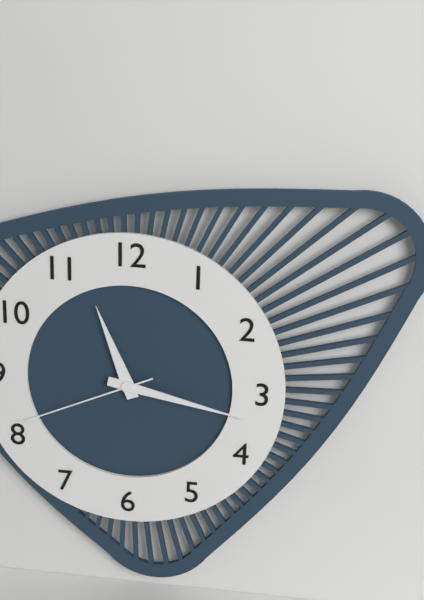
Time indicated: {"hour": 11, "minute": 17, "second": 41}
